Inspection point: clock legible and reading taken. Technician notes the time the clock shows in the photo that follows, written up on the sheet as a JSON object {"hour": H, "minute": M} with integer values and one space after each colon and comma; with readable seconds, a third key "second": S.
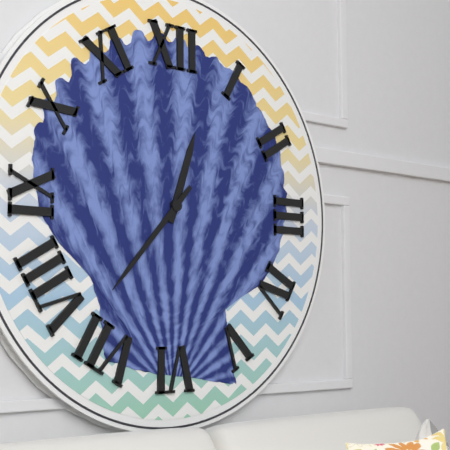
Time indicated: {"hour": 12, "minute": 37}
